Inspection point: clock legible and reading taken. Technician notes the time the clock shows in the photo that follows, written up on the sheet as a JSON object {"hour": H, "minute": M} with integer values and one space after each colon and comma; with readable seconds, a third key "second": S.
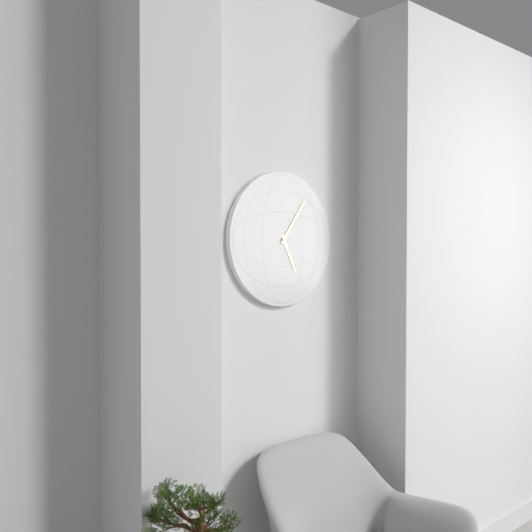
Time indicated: {"hour": 5, "minute": 6}
